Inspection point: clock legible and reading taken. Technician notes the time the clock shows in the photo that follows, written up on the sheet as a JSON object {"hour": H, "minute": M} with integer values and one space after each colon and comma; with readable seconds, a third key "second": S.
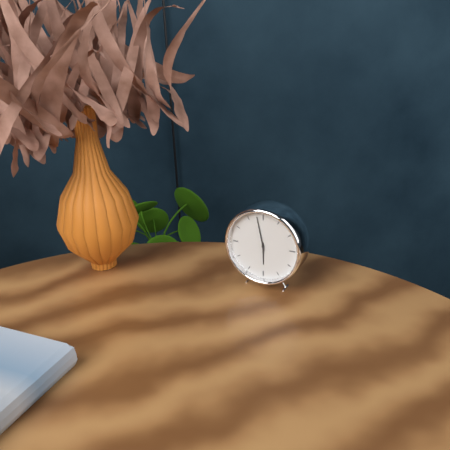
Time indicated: {"hour": 5, "minute": 58}
